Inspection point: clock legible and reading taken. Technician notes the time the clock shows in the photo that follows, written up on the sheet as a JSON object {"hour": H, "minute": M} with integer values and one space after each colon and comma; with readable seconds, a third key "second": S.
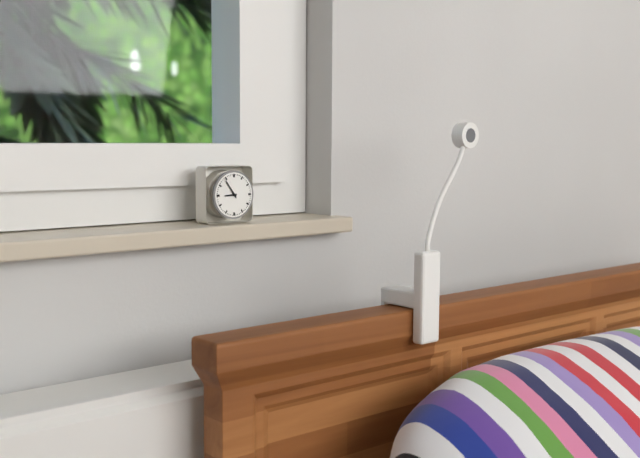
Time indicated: {"hour": 8, "minute": 54}
